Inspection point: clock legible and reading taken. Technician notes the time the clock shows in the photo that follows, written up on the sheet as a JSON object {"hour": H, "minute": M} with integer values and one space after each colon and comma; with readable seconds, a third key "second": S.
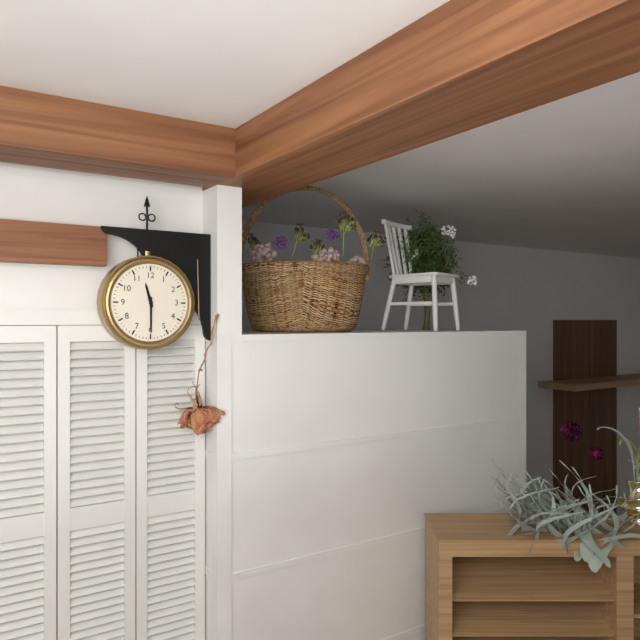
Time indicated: {"hour": 11, "minute": 30}
